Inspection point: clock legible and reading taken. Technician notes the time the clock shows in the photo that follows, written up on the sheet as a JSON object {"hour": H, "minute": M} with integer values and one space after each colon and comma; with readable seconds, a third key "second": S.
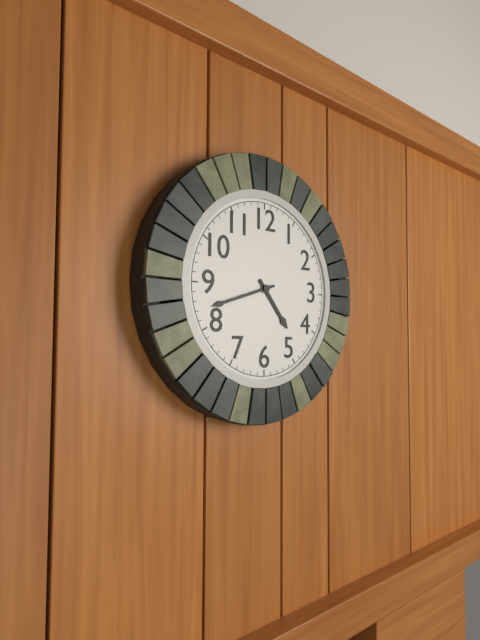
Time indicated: {"hour": 4, "minute": 42}
